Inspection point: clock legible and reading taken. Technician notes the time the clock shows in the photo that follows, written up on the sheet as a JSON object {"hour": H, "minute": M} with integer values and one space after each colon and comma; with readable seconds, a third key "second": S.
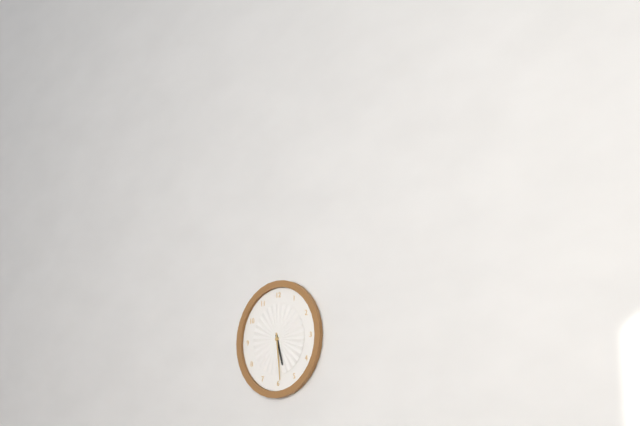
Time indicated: {"hour": 5, "minute": 29}
